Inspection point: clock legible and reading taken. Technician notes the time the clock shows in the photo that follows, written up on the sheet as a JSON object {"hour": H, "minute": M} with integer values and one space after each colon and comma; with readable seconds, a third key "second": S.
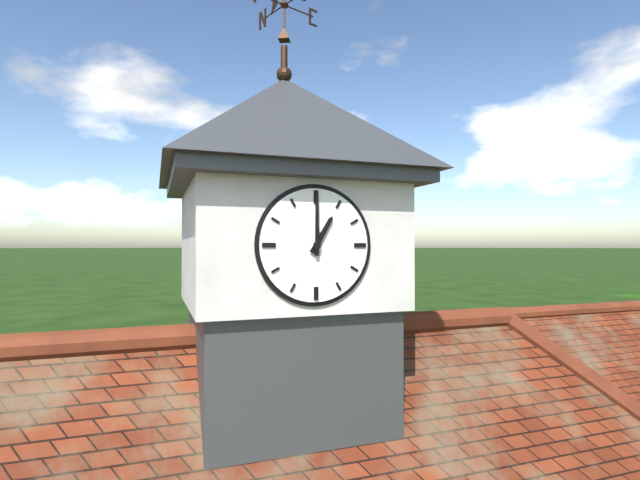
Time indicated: {"hour": 1, "minute": 0}
